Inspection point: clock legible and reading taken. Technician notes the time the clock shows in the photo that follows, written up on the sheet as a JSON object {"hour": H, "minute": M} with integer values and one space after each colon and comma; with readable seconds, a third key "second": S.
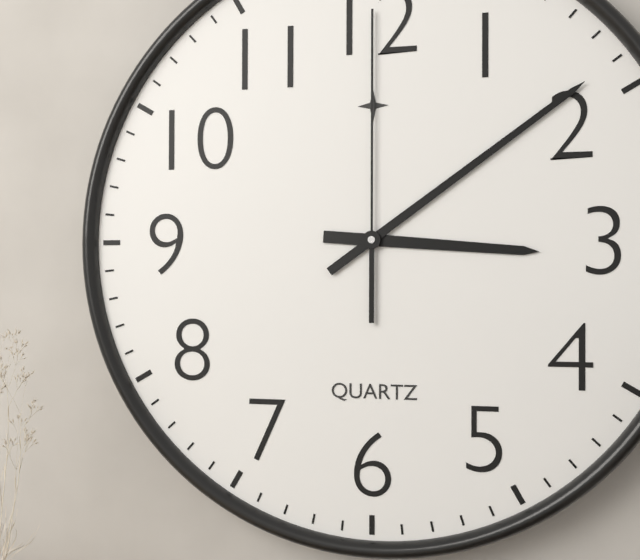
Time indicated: {"hour": 3, "minute": 9, "second": 0}
